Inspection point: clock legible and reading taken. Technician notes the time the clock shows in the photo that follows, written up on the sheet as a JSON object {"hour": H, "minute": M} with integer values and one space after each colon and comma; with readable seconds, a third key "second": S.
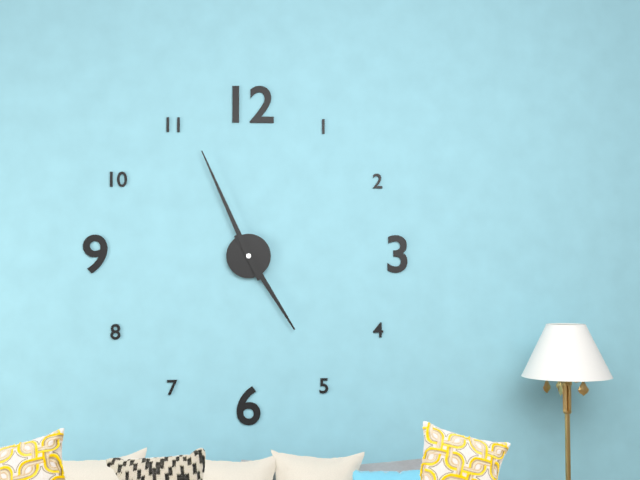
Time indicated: {"hour": 4, "minute": 56}
